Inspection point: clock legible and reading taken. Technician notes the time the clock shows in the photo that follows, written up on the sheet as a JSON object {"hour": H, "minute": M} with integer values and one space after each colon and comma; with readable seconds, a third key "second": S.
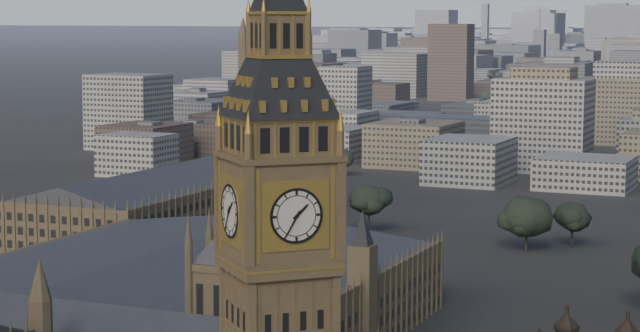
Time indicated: {"hour": 1, "minute": 35}
